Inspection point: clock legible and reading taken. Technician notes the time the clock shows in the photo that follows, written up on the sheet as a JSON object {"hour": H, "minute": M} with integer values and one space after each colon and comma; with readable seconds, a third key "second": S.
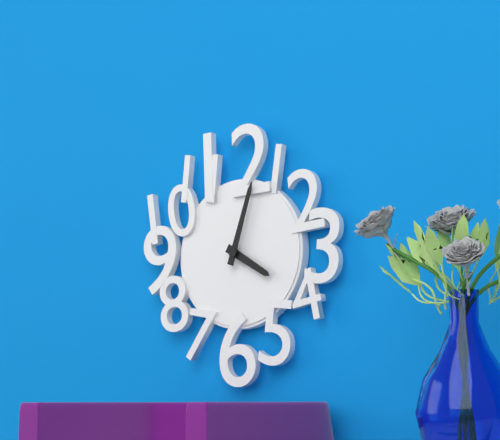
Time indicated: {"hour": 4, "minute": 3}
